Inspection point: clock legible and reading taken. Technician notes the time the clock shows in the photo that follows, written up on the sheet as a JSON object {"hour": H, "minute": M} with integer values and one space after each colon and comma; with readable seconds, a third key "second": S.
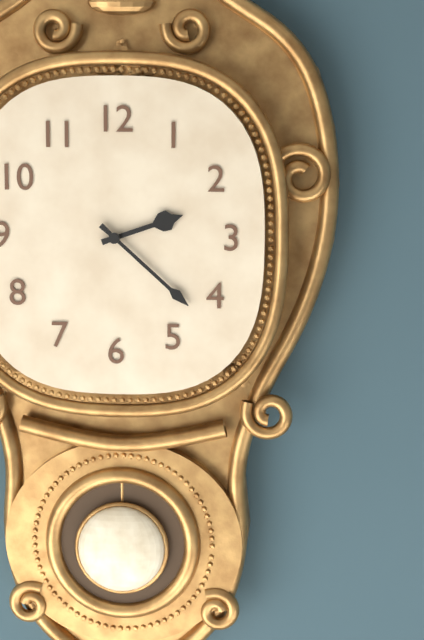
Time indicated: {"hour": 2, "minute": 22}
